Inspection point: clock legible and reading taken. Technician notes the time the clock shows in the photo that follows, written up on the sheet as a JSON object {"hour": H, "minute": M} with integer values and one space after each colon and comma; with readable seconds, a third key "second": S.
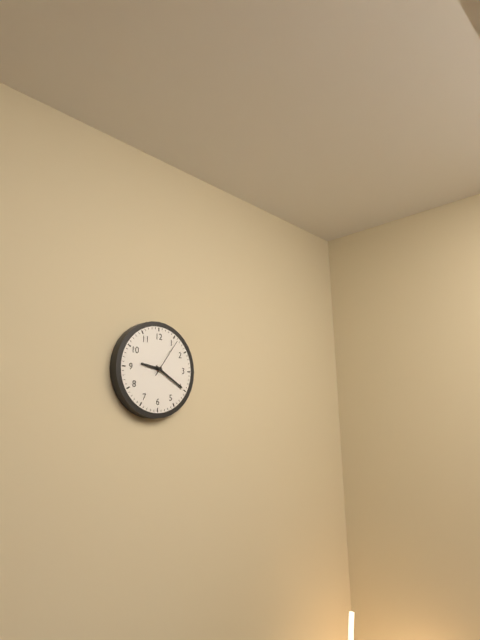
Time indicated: {"hour": 9, "minute": 20}
